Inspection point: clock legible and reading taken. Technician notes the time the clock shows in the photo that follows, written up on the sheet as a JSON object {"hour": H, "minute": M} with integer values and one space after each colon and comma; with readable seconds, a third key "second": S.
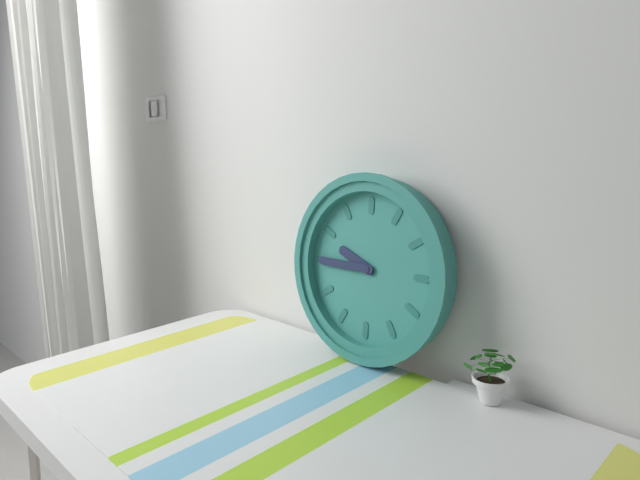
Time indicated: {"hour": 9, "minute": 45}
